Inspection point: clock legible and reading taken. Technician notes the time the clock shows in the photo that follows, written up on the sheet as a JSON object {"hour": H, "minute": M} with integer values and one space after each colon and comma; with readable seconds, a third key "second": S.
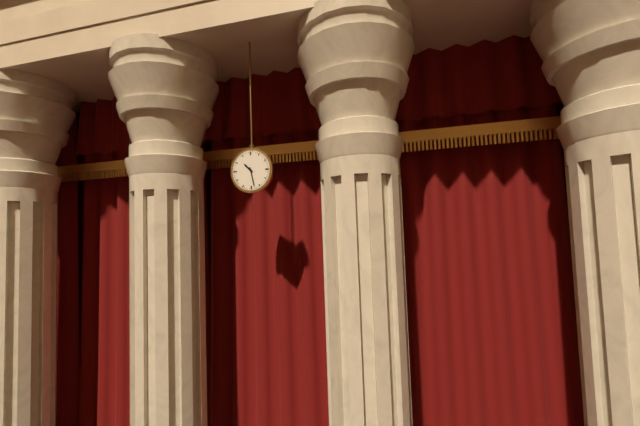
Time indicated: {"hour": 10, "minute": 28}
